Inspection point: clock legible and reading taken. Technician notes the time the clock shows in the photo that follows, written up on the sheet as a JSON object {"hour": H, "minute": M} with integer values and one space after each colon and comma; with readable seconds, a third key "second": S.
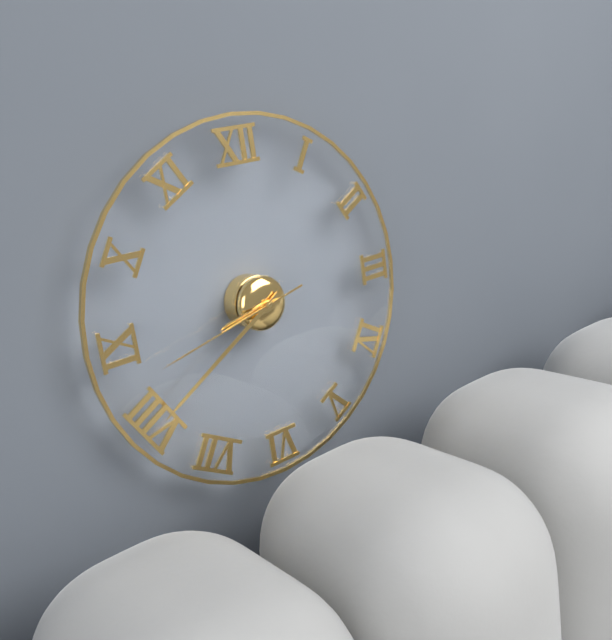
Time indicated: {"hour": 8, "minute": 40, "second": 43}
